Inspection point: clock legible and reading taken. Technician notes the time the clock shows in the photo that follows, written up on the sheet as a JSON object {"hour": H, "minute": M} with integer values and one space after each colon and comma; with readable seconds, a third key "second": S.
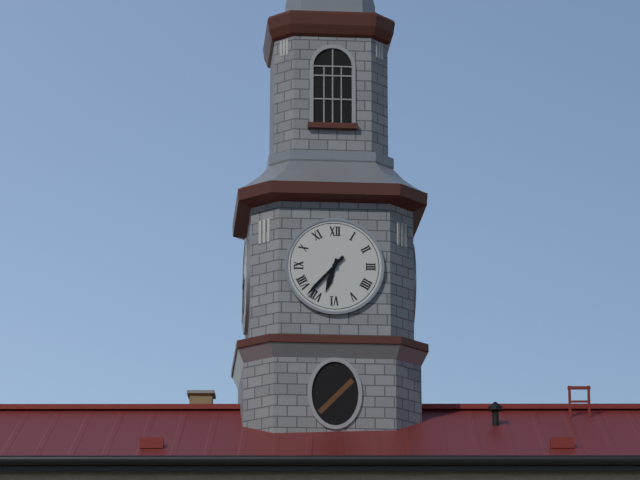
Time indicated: {"hour": 6, "minute": 37}
